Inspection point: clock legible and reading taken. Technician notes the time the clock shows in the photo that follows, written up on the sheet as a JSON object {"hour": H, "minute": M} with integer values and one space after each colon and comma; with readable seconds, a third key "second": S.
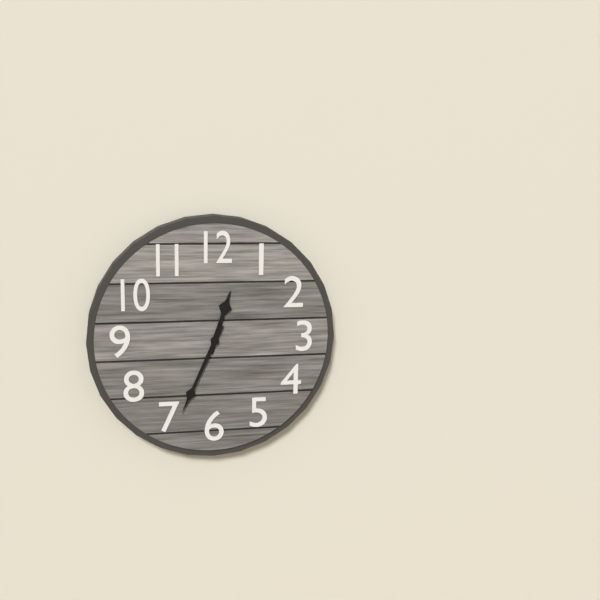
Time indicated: {"hour": 12, "minute": 34}
